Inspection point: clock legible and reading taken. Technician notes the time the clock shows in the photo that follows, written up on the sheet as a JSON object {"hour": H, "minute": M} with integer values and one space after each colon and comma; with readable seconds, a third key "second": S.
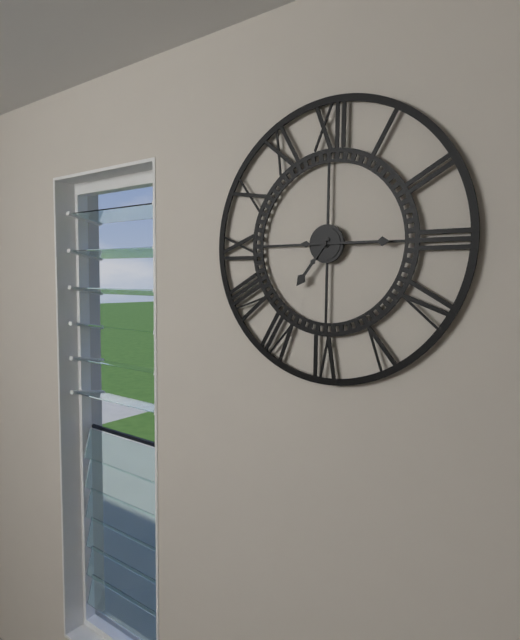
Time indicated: {"hour": 7, "minute": 15}
